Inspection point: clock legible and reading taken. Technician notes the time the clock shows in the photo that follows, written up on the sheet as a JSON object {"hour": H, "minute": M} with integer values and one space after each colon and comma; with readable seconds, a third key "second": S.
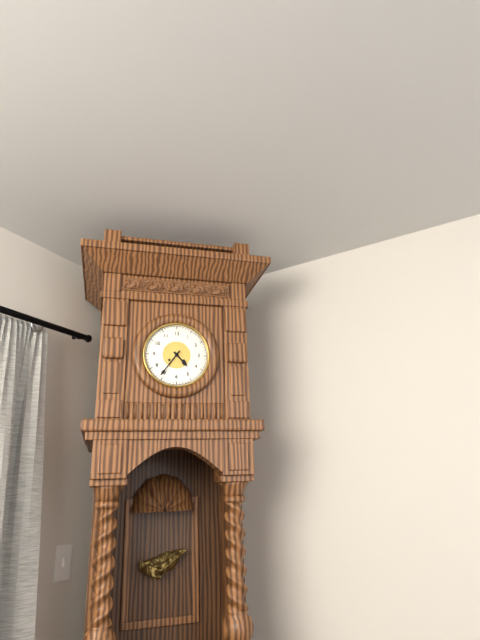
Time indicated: {"hour": 4, "minute": 36}
